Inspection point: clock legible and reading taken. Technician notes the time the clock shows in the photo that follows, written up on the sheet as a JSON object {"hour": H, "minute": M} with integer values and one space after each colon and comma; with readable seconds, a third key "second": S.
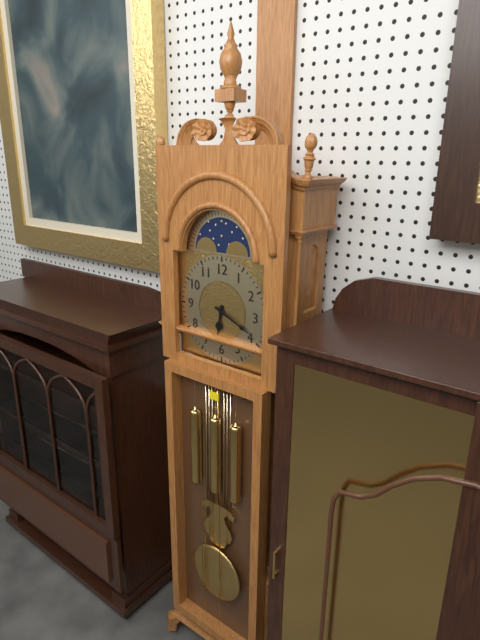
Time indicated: {"hour": 6, "minute": 19}
